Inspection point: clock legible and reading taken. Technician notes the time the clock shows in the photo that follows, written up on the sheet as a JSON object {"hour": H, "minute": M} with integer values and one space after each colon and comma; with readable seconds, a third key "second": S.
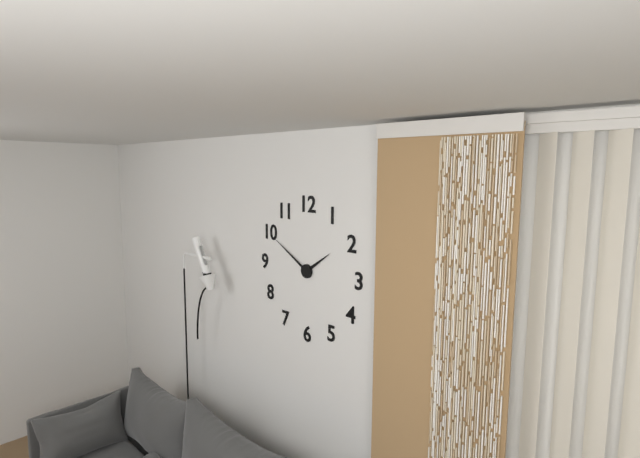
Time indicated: {"hour": 1, "minute": 50}
